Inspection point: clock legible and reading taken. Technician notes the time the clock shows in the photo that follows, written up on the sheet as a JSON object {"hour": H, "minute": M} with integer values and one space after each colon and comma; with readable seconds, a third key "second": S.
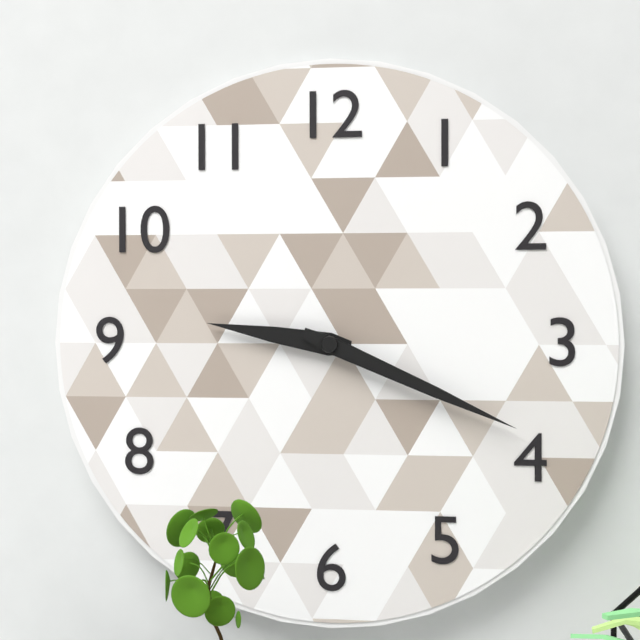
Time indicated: {"hour": 9, "minute": 19}
